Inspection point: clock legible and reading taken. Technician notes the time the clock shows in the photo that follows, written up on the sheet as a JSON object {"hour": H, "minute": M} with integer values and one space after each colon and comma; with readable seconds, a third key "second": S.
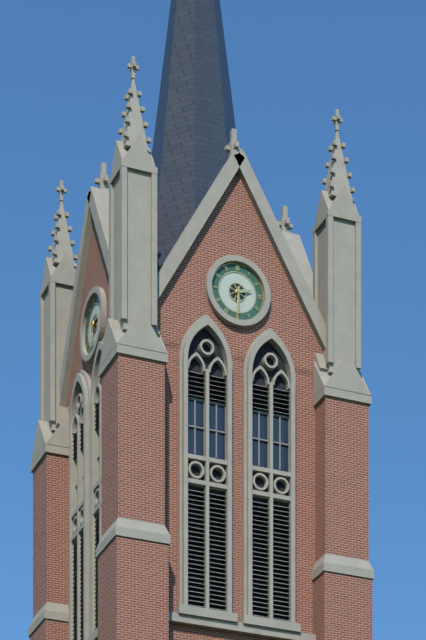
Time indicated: {"hour": 2, "minute": 30}
